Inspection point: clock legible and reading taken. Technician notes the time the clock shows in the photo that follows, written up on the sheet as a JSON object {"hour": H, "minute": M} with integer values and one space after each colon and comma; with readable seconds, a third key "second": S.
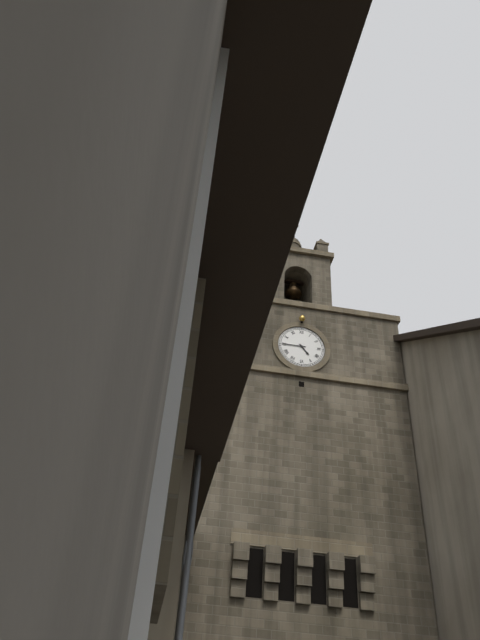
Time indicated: {"hour": 4, "minute": 45}
